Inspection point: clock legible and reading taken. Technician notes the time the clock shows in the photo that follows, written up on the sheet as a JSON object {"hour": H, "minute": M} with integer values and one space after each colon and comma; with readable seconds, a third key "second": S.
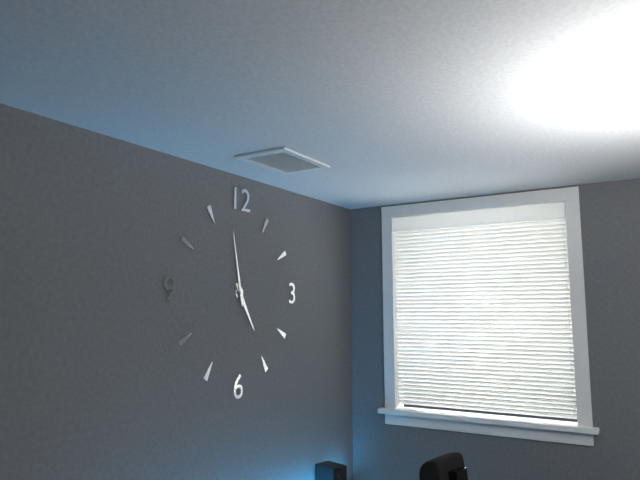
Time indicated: {"hour": 4, "minute": 58}
